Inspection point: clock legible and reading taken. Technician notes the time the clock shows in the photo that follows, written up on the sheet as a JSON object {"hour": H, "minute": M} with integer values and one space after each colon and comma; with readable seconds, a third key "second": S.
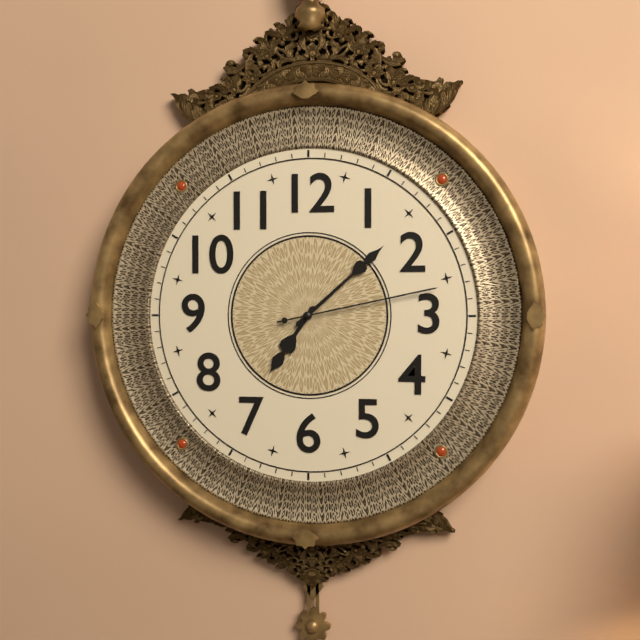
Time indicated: {"hour": 7, "minute": 8, "second": 13}
